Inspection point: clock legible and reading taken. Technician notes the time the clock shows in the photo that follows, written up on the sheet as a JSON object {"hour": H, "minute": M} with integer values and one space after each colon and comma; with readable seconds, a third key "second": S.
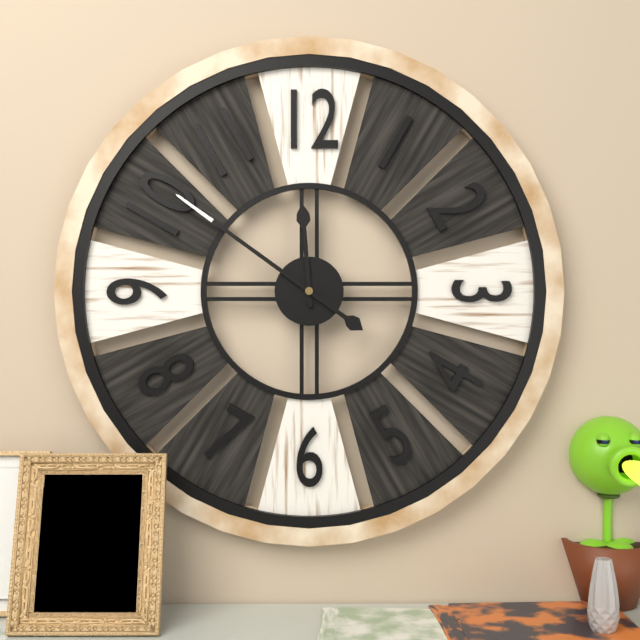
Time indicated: {"hour": 11, "minute": 51}
